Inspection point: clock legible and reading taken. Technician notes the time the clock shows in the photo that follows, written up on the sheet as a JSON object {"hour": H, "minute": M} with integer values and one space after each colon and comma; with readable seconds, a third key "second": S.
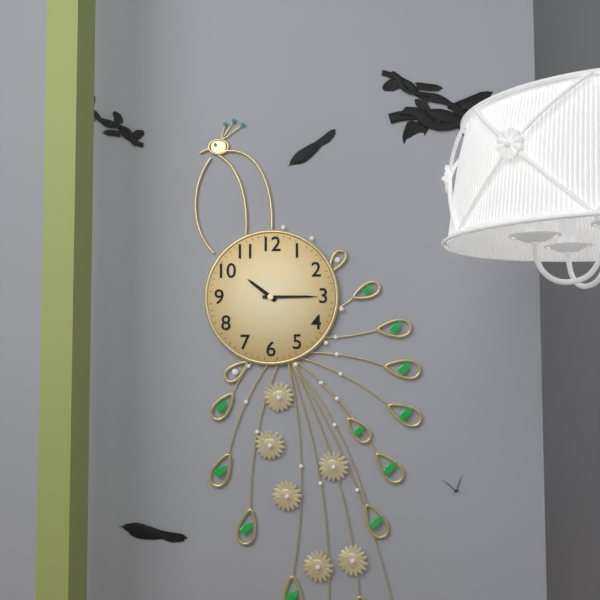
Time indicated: {"hour": 10, "minute": 15}
